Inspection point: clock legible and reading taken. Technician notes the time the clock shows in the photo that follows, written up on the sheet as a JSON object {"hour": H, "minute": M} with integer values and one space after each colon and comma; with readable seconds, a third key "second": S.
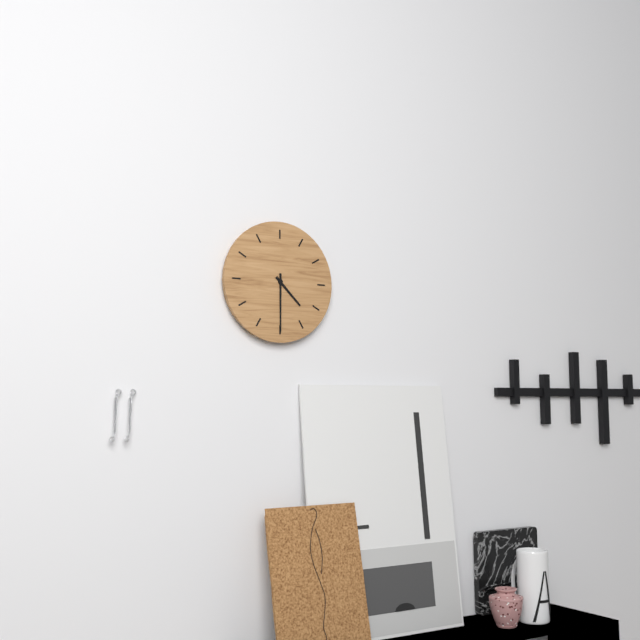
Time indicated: {"hour": 4, "minute": 30}
